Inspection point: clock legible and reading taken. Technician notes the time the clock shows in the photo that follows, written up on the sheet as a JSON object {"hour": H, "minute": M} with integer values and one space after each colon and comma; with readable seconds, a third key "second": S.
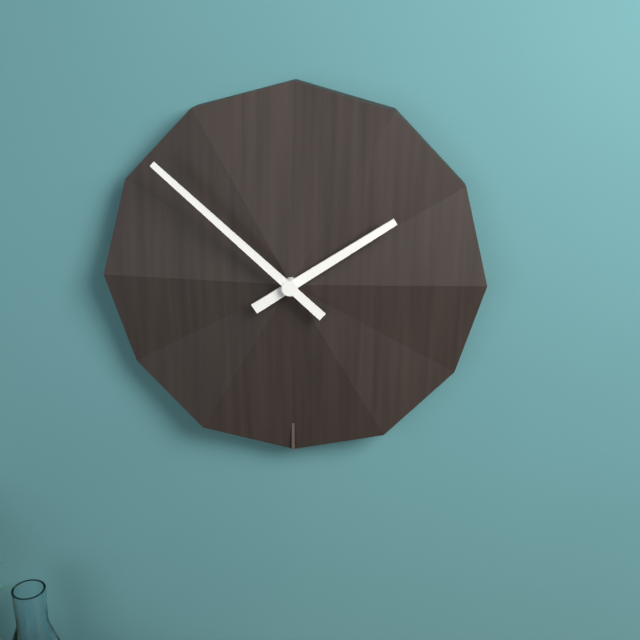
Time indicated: {"hour": 1, "minute": 52}
